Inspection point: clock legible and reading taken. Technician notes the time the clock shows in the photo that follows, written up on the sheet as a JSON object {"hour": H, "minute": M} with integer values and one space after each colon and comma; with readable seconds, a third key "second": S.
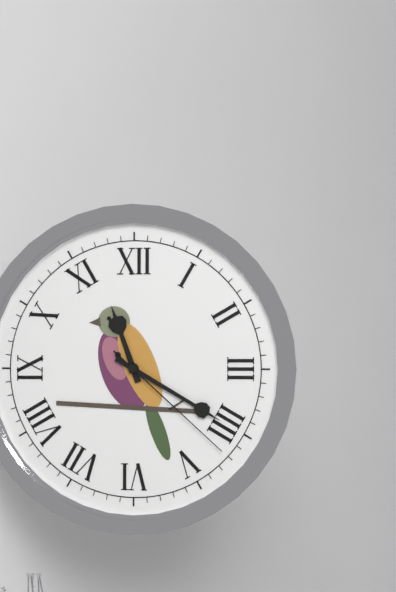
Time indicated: {"hour": 11, "minute": 20, "second": 22}
